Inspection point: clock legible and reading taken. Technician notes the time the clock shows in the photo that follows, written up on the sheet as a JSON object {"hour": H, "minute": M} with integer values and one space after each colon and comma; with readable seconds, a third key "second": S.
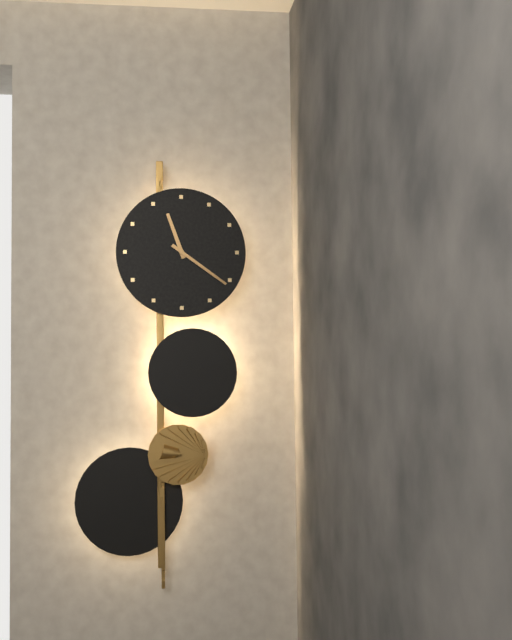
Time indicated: {"hour": 11, "minute": 21}
